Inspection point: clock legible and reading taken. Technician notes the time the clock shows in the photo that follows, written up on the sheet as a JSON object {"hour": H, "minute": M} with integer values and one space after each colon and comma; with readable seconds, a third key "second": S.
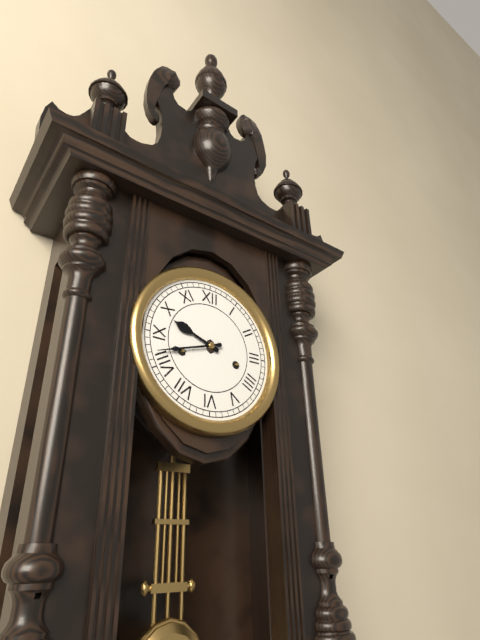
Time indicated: {"hour": 9, "minute": 42}
